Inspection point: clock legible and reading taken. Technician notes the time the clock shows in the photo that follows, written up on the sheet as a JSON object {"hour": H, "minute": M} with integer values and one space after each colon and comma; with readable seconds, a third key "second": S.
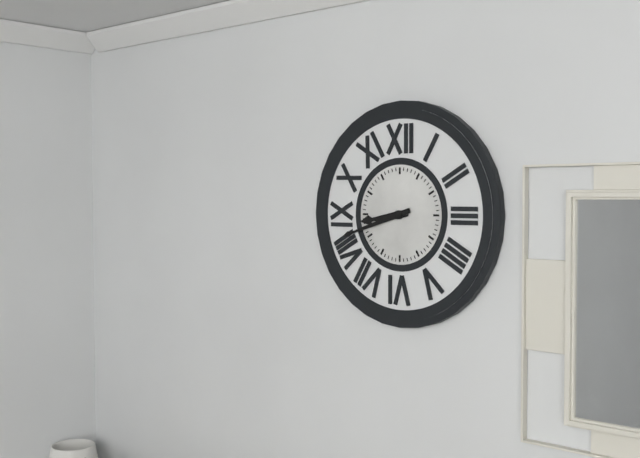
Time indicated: {"hour": 8, "minute": 42}
